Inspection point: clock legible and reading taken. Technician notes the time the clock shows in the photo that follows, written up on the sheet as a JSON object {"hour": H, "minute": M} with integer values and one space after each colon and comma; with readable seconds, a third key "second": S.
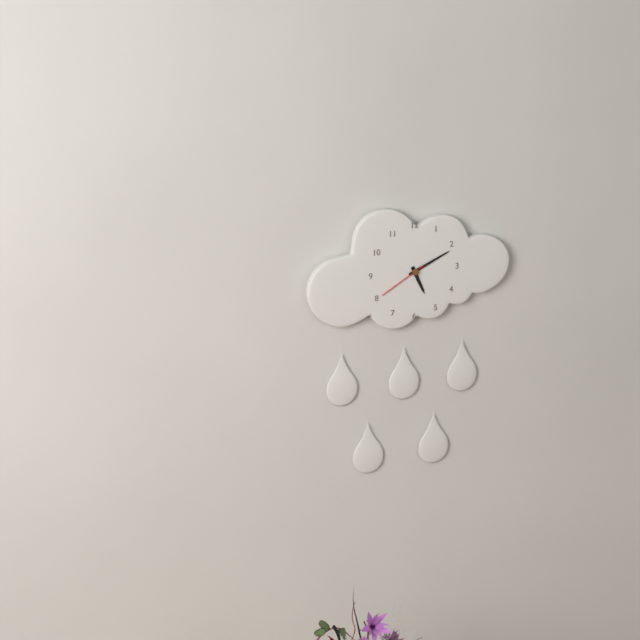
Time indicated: {"hour": 5, "minute": 11, "second": 40}
